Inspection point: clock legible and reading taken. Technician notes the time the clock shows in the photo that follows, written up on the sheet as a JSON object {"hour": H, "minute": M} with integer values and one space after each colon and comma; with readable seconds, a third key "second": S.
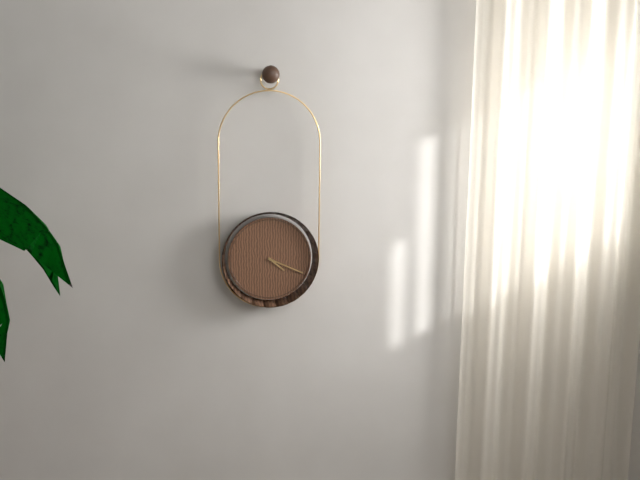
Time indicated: {"hour": 4, "minute": 19}
